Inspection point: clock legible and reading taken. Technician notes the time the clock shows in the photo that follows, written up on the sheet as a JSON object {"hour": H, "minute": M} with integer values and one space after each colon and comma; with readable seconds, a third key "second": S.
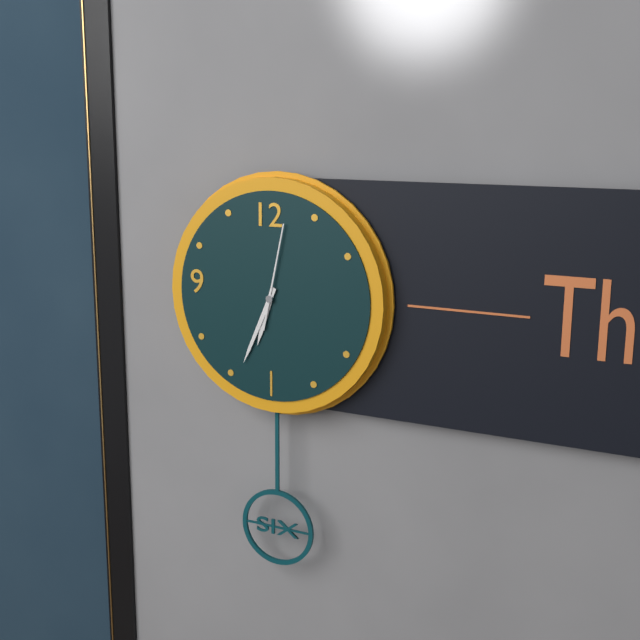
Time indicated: {"hour": 6, "minute": 34, "second": 2}
